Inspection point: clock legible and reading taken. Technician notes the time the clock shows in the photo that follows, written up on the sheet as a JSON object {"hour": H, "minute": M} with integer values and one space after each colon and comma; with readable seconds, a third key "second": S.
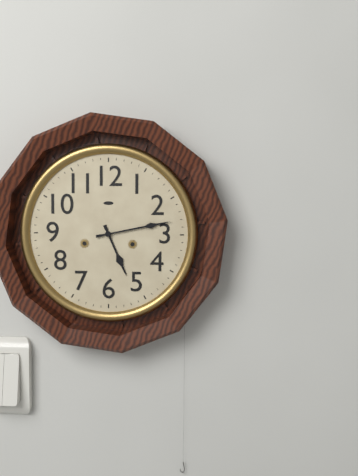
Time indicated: {"hour": 5, "minute": 13}
